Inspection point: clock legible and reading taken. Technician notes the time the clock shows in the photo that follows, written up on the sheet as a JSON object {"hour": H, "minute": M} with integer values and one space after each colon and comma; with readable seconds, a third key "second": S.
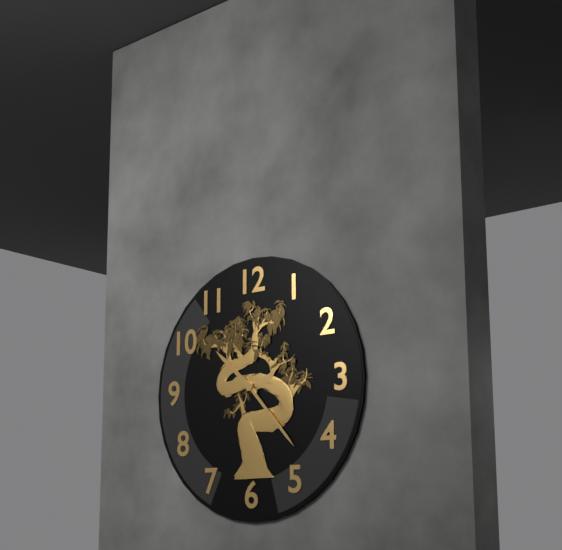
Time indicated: {"hour": 10, "minute": 23}
